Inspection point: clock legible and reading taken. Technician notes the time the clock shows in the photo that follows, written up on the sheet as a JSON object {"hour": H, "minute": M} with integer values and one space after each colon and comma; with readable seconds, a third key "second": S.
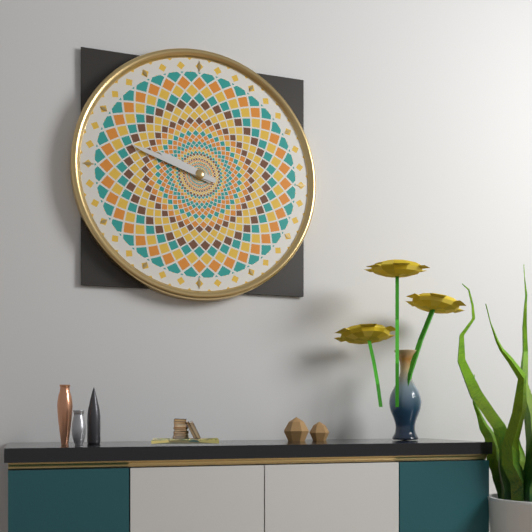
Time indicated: {"hour": 9, "minute": 48}
